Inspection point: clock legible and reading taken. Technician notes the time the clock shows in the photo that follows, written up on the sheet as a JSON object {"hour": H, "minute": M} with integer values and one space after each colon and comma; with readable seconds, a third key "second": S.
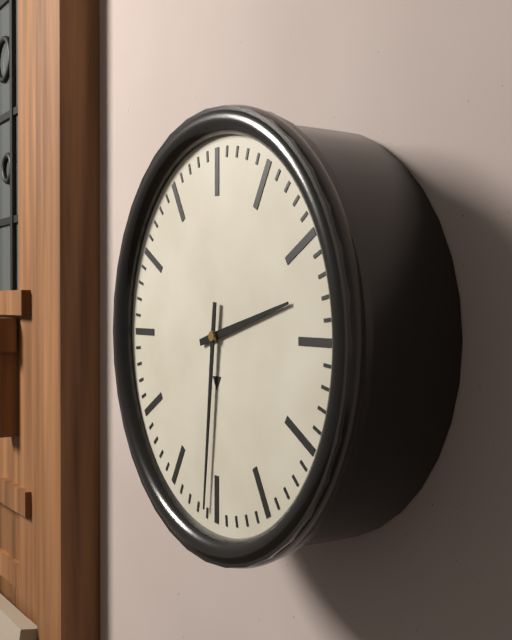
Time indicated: {"hour": 2, "minute": 31}
